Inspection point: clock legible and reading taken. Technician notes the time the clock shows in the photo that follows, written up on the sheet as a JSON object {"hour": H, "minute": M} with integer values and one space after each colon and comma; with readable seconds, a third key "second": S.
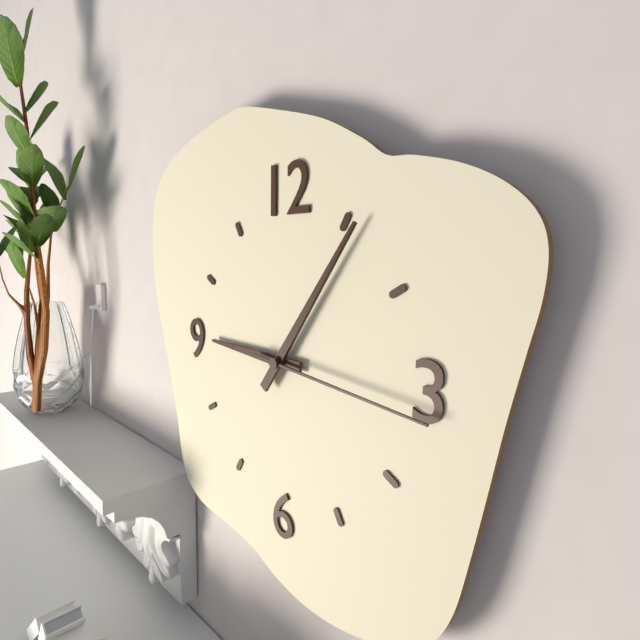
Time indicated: {"hour": 9, "minute": 6, "second": 16}
